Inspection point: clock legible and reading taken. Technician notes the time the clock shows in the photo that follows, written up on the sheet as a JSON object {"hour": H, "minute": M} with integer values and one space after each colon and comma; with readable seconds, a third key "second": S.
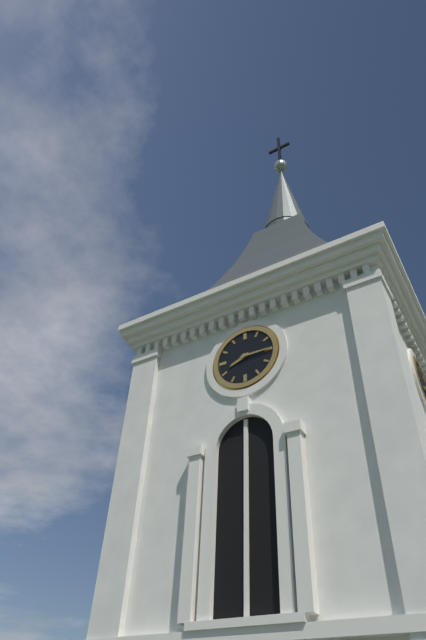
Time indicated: {"hour": 8, "minute": 15}
